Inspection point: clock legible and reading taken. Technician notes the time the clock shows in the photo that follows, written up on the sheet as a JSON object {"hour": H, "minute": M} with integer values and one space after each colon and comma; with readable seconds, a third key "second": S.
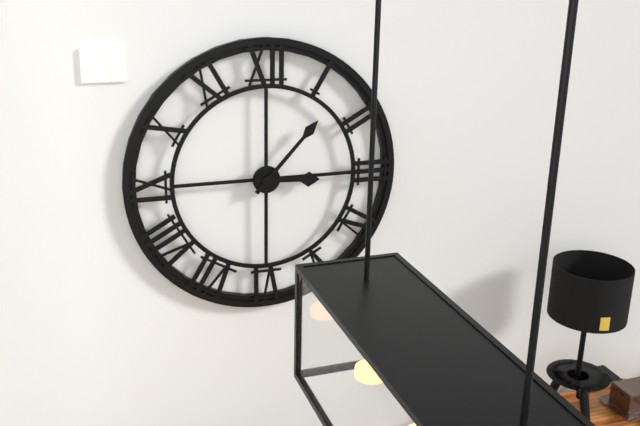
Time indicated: {"hour": 3, "minute": 7}
